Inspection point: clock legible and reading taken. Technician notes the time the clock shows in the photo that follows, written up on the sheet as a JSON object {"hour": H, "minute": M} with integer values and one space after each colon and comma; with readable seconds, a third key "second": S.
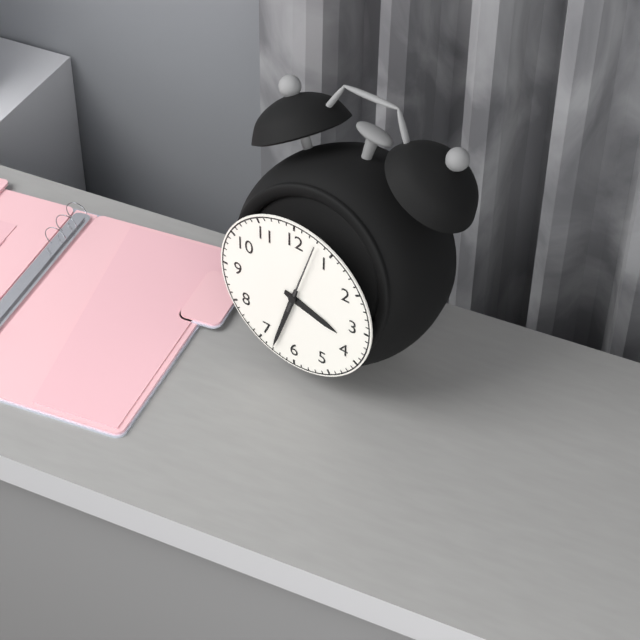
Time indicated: {"hour": 3, "minute": 33, "second": 3}
